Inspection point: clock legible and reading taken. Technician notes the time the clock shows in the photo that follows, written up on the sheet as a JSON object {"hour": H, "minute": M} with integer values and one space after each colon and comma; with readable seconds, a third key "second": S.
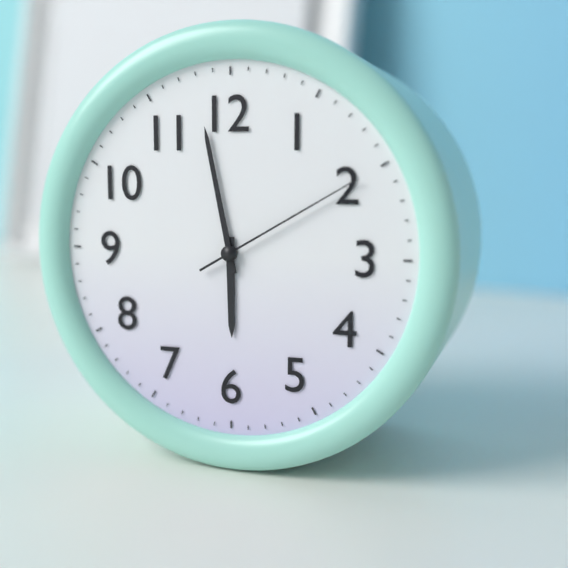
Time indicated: {"hour": 5, "minute": 58, "second": 10}
